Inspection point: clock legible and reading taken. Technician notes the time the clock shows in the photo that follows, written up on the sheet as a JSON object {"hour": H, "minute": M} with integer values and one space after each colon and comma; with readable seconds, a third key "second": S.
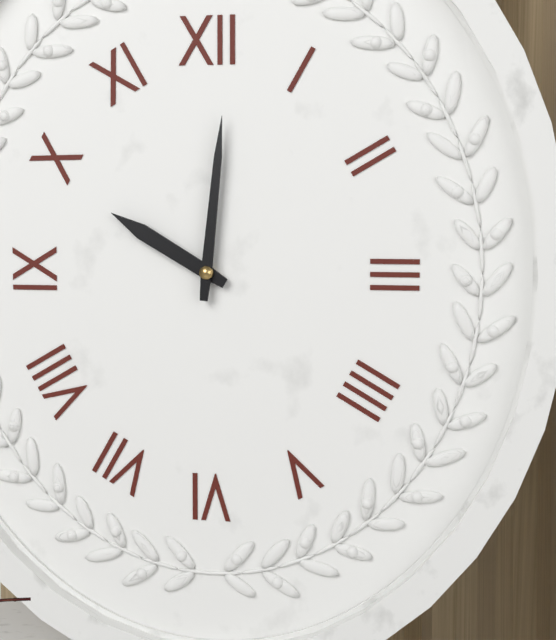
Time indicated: {"hour": 10, "minute": 1}
